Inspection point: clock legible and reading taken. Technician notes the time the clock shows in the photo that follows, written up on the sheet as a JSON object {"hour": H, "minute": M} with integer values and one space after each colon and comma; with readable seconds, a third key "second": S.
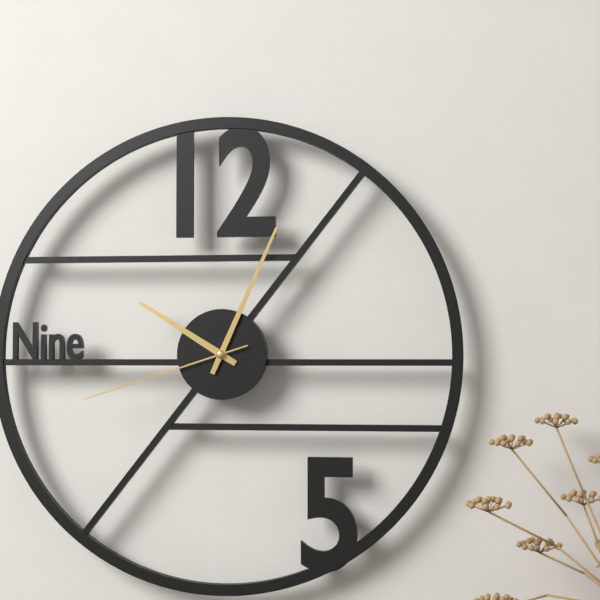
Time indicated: {"hour": 10, "minute": 4, "second": 42}
